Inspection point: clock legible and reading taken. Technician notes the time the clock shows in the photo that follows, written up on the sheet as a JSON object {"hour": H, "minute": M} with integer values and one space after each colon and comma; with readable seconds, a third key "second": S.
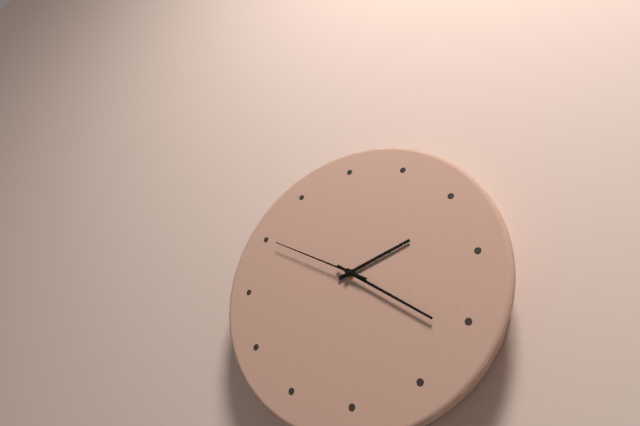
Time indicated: {"hour": 2, "minute": 21, "second": 50}
